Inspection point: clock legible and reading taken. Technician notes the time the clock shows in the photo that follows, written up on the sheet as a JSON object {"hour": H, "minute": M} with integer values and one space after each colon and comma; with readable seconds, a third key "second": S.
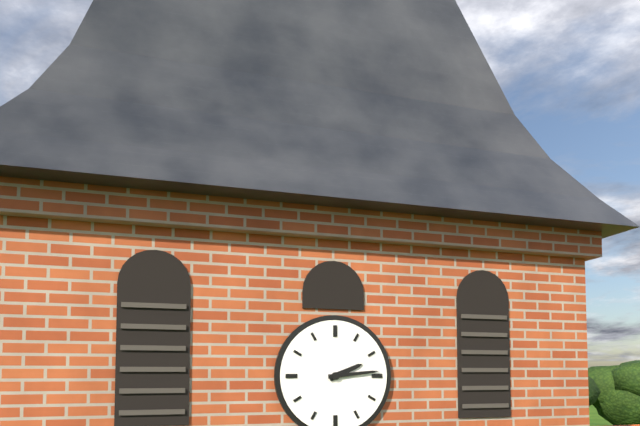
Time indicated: {"hour": 2, "minute": 14}
